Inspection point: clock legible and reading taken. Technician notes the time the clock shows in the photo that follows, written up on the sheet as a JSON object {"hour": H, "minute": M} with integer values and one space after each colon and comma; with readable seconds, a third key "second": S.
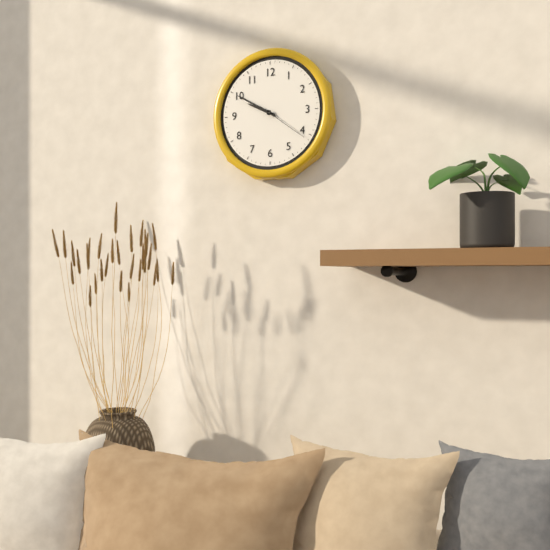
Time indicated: {"hour": 9, "minute": 50, "second": 21}
